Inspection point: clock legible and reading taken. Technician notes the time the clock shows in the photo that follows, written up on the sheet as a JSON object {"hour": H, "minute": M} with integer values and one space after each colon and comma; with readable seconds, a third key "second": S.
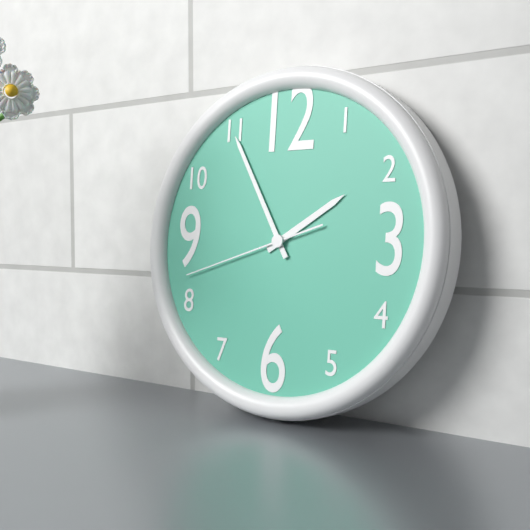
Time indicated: {"hour": 1, "minute": 55, "second": 42}
